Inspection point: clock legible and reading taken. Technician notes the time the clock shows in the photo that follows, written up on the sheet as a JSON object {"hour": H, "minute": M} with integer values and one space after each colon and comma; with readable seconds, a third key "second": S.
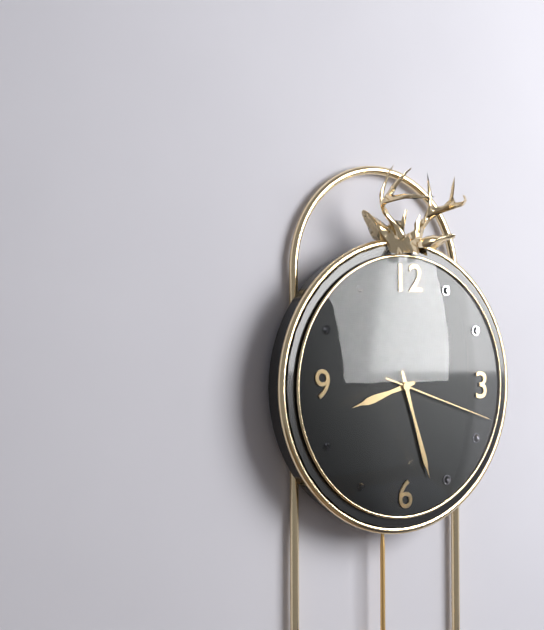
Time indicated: {"hour": 8, "minute": 27, "second": 18}
